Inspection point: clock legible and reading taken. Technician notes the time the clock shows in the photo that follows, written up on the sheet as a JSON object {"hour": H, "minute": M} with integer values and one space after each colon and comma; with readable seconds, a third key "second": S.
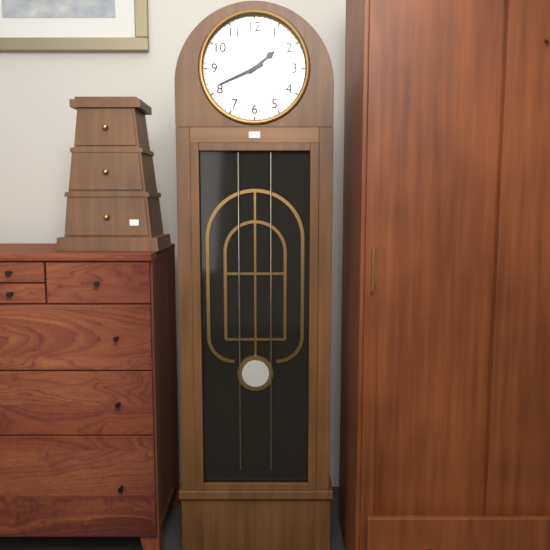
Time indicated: {"hour": 1, "minute": 41}
